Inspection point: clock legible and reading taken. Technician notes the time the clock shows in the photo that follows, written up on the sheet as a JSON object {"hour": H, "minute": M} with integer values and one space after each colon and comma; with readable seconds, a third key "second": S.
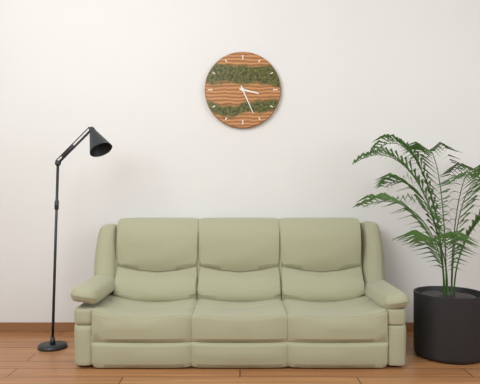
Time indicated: {"hour": 3, "minute": 26}
